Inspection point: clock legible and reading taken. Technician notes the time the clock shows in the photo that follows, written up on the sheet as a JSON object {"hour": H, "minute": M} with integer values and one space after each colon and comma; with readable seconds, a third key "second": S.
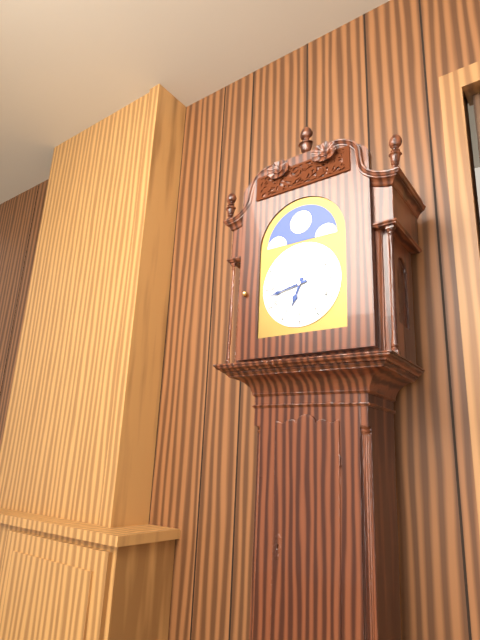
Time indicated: {"hour": 6, "minute": 43}
